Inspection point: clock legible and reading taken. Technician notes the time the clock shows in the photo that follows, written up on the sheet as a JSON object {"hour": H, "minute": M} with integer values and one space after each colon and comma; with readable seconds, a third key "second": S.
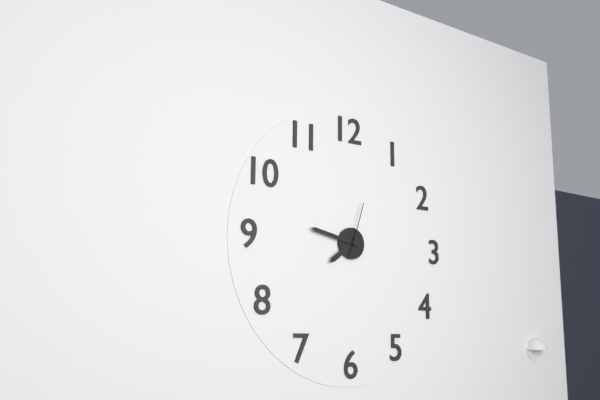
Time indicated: {"hour": 7, "minute": 47, "second": 3}
